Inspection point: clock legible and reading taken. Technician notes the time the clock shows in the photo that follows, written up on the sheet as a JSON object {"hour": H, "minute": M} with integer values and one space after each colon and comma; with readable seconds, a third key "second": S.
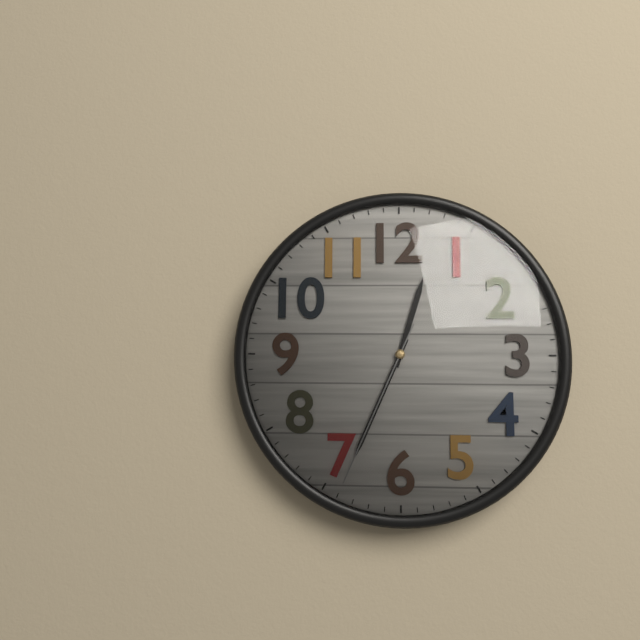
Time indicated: {"hour": 12, "minute": 34, "second": 34}
